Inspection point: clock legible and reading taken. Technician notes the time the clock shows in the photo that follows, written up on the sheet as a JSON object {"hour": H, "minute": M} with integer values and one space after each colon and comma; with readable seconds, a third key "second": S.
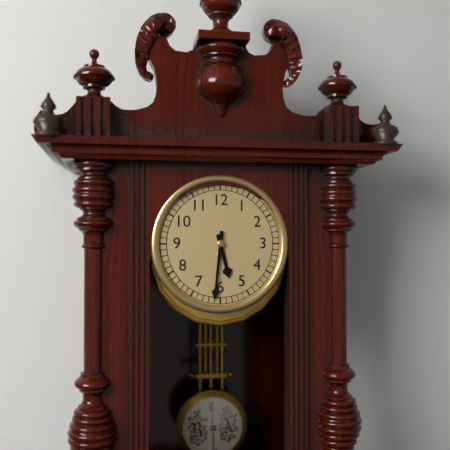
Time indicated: {"hour": 5, "minute": 31}
